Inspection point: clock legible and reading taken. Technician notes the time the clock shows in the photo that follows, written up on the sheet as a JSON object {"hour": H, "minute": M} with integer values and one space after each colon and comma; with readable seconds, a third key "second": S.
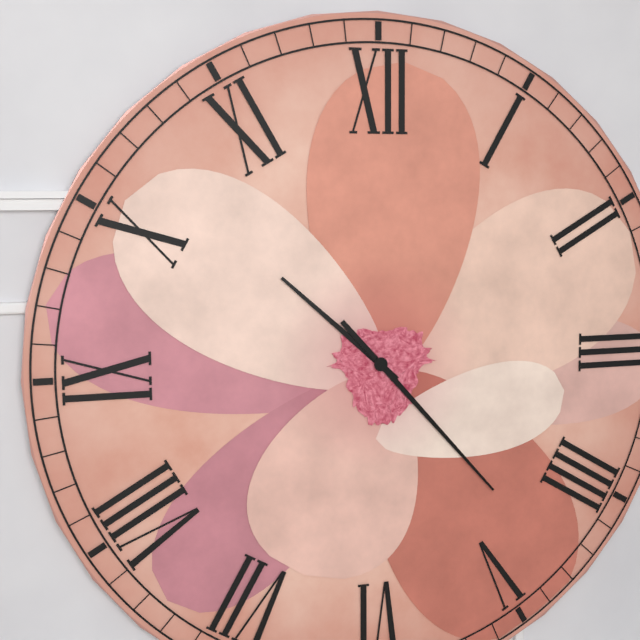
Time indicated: {"hour": 10, "minute": 23}
